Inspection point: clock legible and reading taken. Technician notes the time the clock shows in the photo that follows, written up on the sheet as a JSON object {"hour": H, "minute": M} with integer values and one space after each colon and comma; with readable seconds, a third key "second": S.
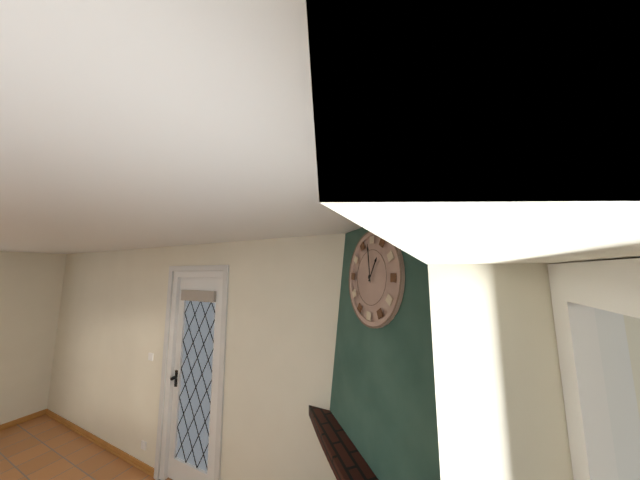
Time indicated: {"hour": 12, "minute": 58}
